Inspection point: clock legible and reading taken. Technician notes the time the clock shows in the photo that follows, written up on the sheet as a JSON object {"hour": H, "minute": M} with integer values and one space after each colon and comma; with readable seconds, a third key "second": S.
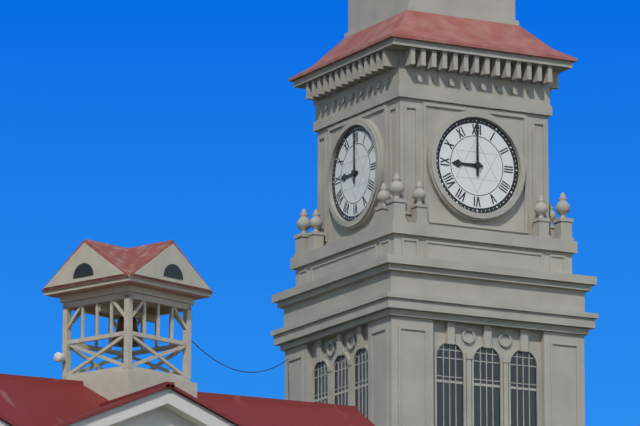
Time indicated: {"hour": 9, "minute": 0}
